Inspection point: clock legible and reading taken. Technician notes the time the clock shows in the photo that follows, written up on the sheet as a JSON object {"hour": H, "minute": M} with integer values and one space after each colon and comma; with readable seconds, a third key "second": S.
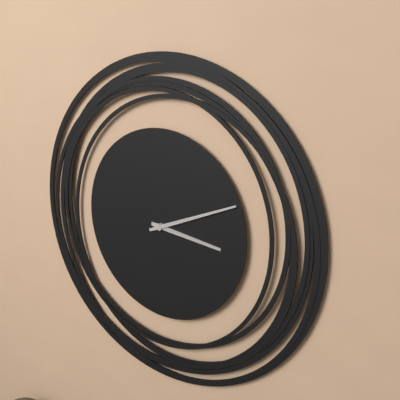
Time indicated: {"hour": 3, "minute": 11}
